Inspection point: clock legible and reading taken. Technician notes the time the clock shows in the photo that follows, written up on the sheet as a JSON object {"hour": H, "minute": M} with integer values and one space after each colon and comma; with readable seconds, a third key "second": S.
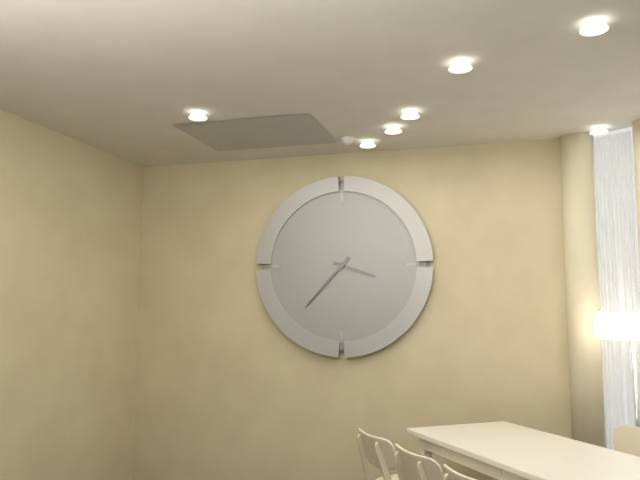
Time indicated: {"hour": 3, "minute": 37}
